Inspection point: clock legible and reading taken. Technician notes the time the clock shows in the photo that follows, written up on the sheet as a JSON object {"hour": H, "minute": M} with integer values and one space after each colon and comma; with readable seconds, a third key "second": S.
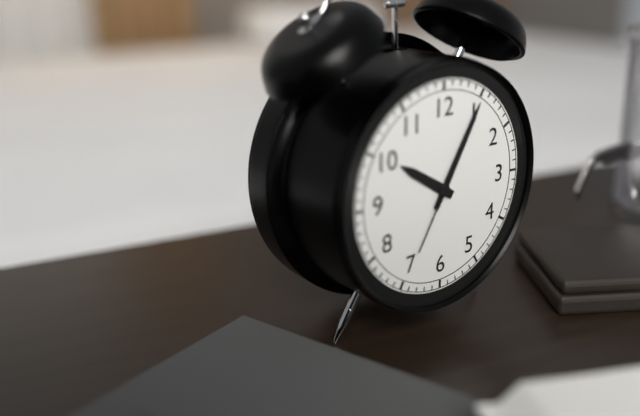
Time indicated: {"hour": 10, "minute": 5, "second": 35}
